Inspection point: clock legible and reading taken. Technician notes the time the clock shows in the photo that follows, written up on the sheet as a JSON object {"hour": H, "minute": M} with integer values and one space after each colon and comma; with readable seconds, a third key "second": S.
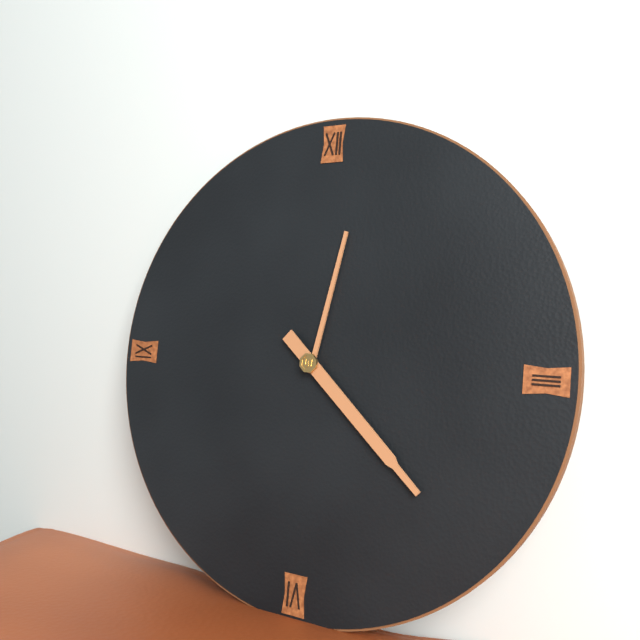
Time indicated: {"hour": 12, "minute": 22}
